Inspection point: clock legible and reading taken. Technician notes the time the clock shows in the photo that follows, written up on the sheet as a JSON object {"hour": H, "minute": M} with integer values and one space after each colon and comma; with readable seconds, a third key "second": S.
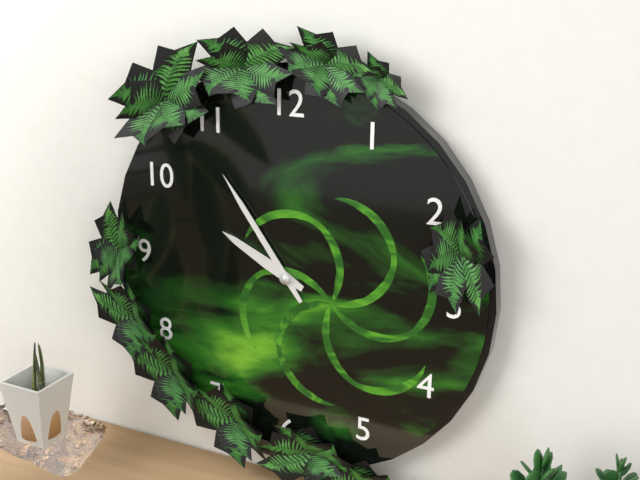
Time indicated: {"hour": 9, "minute": 54}
